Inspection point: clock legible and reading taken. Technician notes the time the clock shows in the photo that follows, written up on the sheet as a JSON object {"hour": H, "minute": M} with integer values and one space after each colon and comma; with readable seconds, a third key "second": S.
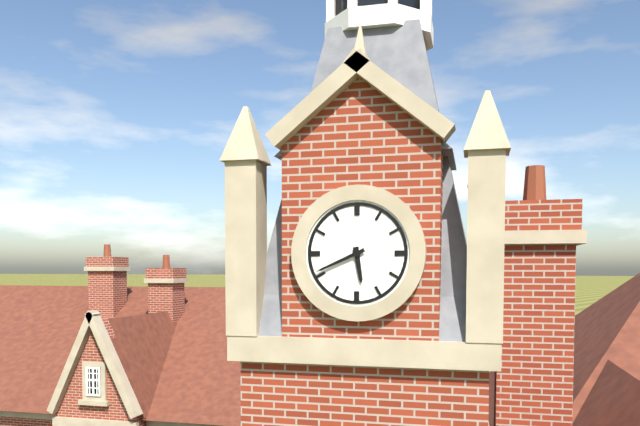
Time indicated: {"hour": 5, "minute": 41}
